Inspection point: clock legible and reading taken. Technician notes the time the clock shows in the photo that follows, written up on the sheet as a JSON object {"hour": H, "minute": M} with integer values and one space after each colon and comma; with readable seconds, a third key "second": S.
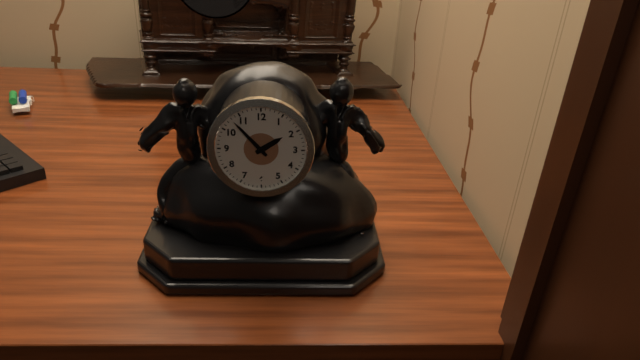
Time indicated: {"hour": 1, "minute": 53}
